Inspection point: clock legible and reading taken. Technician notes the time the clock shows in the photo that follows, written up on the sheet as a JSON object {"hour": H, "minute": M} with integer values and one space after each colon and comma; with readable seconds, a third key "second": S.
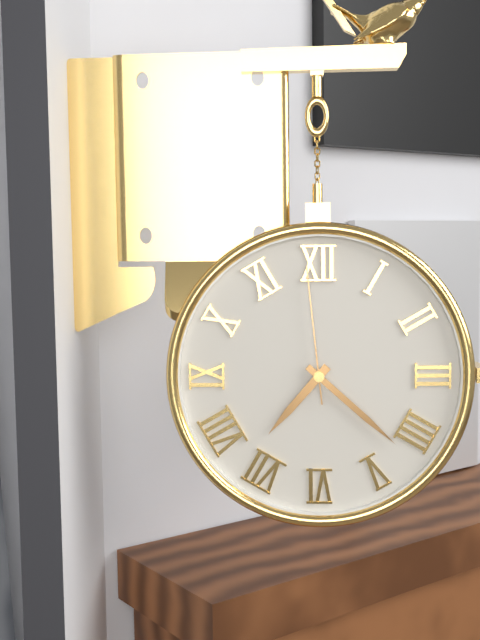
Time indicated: {"hour": 7, "minute": 22, "second": 59}
